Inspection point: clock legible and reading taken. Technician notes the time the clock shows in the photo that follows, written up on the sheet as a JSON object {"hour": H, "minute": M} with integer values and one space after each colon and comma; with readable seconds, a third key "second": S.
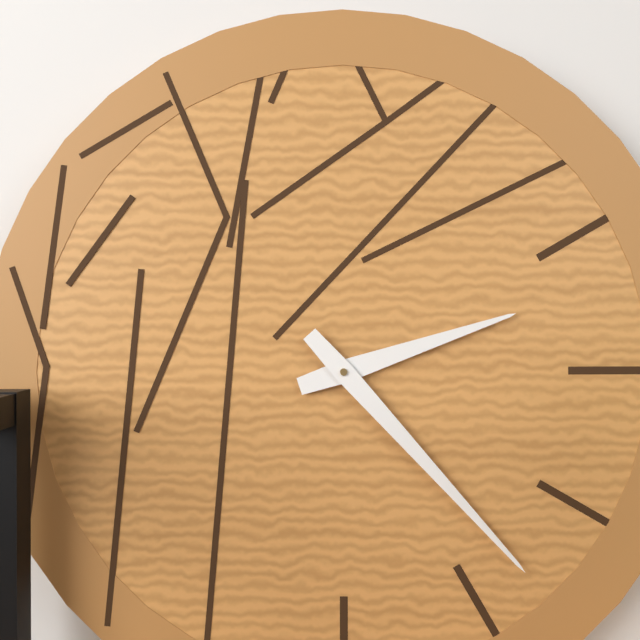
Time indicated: {"hour": 2, "minute": 23}
